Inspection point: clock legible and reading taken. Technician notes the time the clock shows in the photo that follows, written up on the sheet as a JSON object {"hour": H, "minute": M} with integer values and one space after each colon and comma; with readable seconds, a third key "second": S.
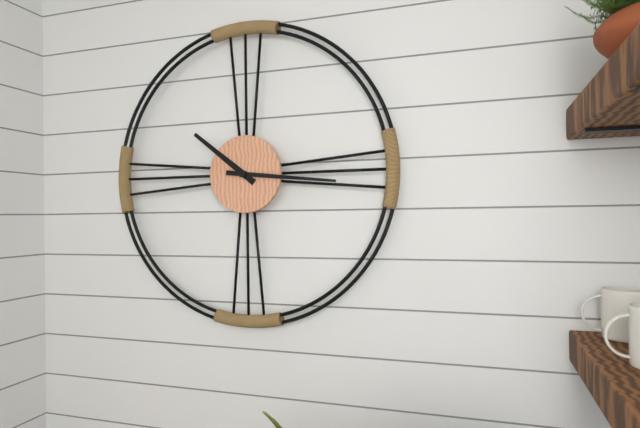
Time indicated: {"hour": 10, "minute": 16}
